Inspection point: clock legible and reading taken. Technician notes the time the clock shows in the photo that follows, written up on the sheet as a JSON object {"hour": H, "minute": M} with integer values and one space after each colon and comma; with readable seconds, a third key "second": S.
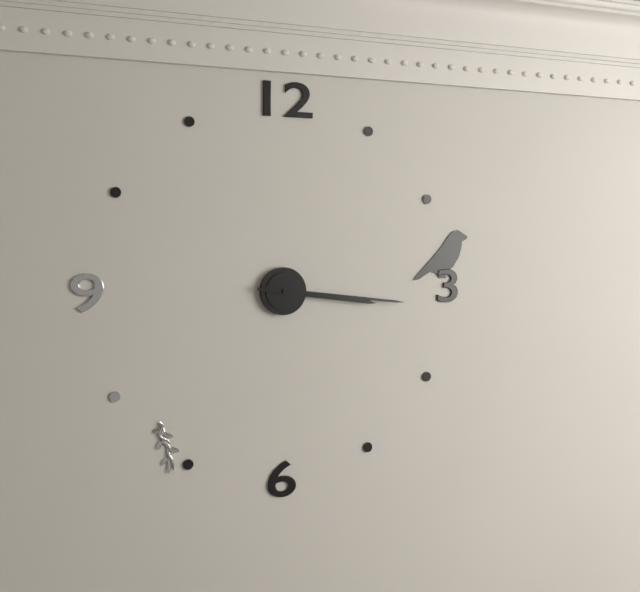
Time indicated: {"hour": 3, "minute": 16}
